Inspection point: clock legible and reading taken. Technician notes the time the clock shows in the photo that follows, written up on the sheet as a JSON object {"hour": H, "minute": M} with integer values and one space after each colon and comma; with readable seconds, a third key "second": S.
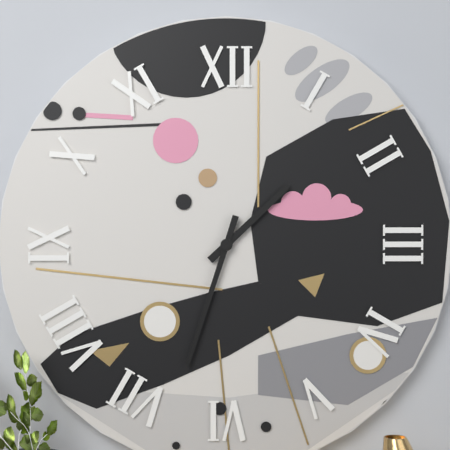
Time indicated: {"hour": 1, "minute": 33}
